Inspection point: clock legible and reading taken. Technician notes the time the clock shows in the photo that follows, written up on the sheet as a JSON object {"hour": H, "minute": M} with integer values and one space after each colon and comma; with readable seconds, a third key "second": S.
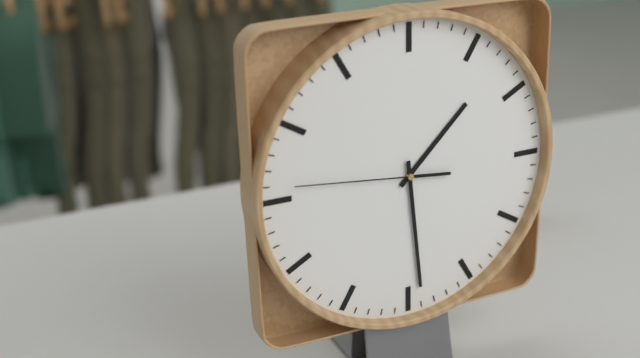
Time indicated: {"hour": 1, "minute": 29, "second": 46}
